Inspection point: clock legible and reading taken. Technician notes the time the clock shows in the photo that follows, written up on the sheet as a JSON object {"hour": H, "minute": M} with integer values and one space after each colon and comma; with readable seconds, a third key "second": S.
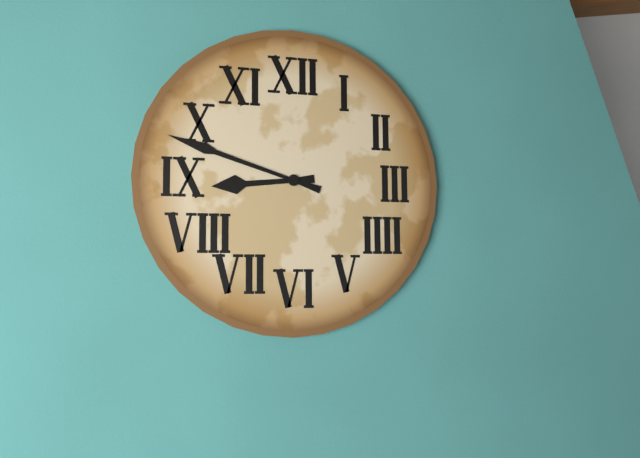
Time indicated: {"hour": 8, "minute": 48}
